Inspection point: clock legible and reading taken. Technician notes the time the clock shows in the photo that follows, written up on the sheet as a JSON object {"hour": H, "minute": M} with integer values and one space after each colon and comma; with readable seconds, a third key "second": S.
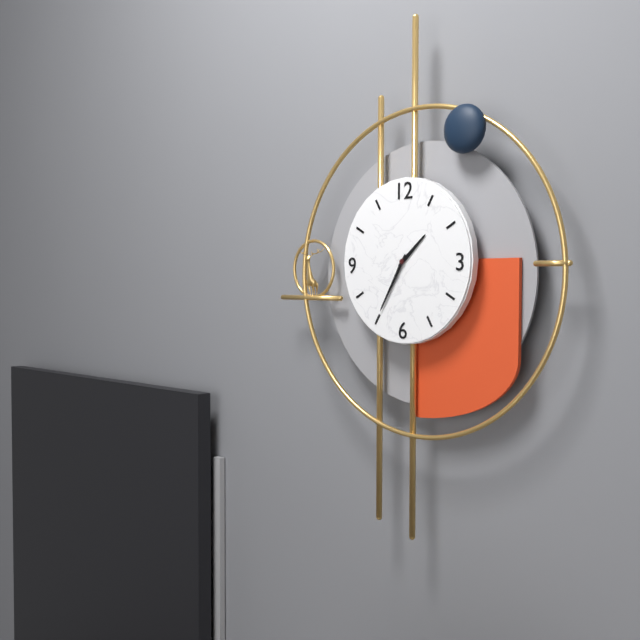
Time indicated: {"hour": 1, "minute": 35}
